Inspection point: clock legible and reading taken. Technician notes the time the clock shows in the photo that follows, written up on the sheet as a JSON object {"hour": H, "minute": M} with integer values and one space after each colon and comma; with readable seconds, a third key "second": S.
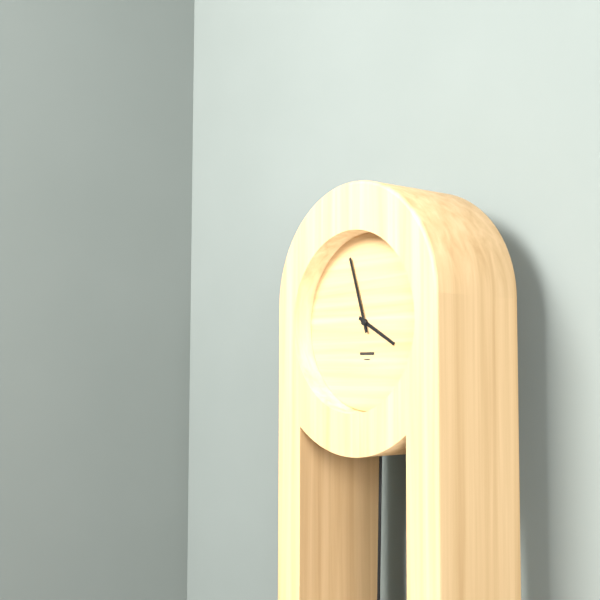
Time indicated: {"hour": 3, "minute": 57}
